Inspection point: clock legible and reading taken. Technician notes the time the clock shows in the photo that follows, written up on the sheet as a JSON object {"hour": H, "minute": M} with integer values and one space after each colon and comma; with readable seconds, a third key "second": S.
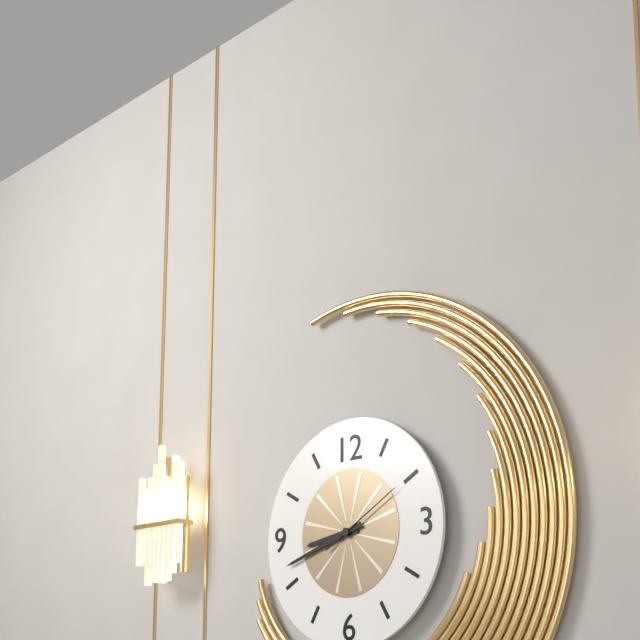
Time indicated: {"hour": 8, "minute": 42, "second": 10}
